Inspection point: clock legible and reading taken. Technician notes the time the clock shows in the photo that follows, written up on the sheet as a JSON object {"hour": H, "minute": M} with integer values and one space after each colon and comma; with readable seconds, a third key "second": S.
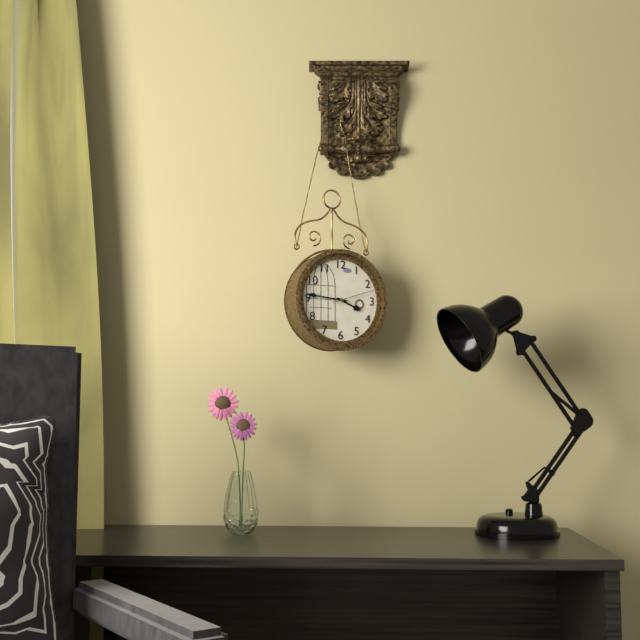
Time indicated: {"hour": 3, "minute": 46, "second": 12}
